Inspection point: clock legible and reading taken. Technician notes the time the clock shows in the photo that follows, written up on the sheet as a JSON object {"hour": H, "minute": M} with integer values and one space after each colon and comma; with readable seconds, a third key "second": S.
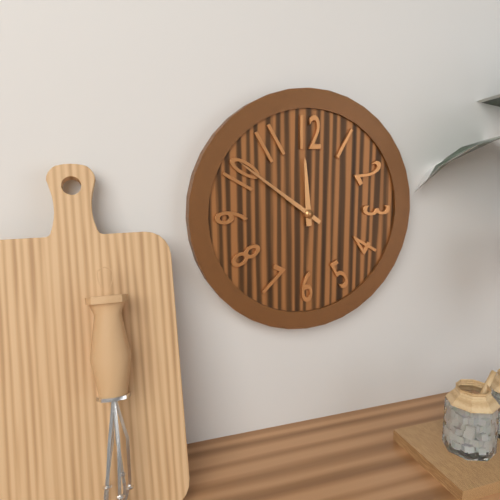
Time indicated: {"hour": 11, "minute": 51}
